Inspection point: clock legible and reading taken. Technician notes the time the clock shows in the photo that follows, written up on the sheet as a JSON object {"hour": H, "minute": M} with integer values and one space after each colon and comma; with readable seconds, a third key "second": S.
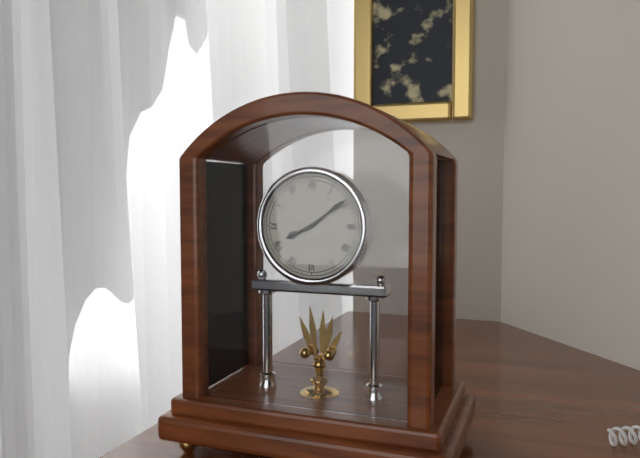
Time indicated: {"hour": 8, "minute": 9}
